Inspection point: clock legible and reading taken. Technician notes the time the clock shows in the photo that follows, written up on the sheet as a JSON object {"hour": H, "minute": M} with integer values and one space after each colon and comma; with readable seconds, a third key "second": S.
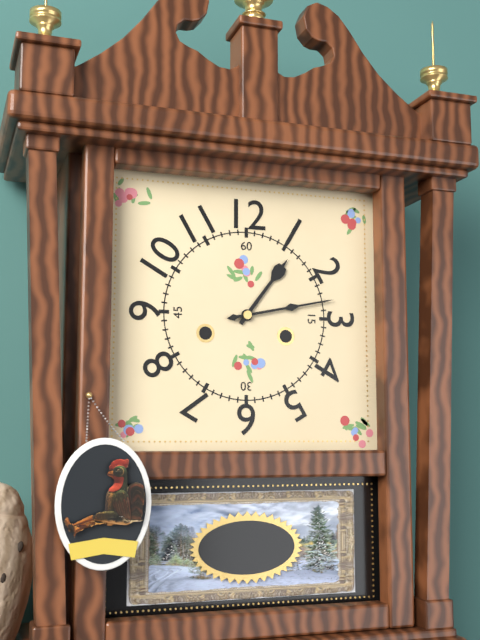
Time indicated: {"hour": 1, "minute": 13}
